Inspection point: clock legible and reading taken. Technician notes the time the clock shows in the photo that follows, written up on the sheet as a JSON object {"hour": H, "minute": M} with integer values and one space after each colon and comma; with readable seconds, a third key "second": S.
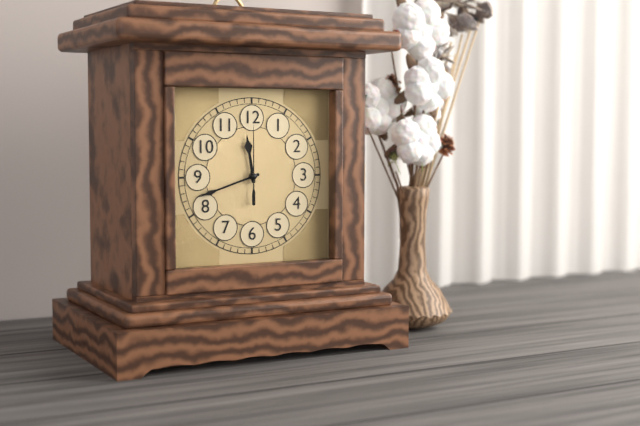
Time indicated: {"hour": 11, "minute": 42, "second": 0}
